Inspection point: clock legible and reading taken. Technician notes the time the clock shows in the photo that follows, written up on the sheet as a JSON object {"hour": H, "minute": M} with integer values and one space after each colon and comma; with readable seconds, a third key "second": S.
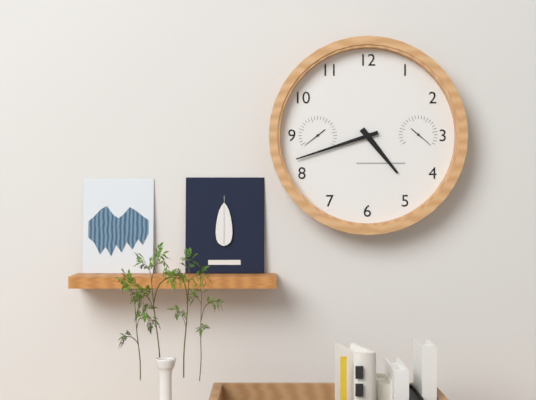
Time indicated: {"hour": 4, "minute": 42}
